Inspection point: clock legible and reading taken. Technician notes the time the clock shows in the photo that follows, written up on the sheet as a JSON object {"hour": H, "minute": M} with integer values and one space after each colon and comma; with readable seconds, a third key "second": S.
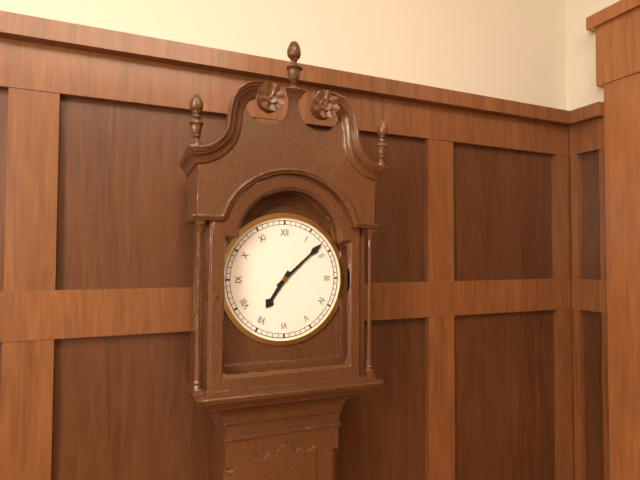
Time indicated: {"hour": 7, "minute": 8}
